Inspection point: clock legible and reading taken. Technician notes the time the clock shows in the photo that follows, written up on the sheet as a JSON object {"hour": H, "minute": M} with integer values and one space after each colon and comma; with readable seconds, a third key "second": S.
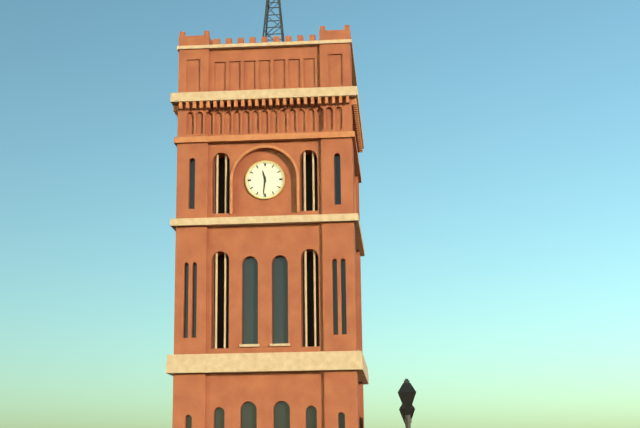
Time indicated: {"hour": 11, "minute": 31}
